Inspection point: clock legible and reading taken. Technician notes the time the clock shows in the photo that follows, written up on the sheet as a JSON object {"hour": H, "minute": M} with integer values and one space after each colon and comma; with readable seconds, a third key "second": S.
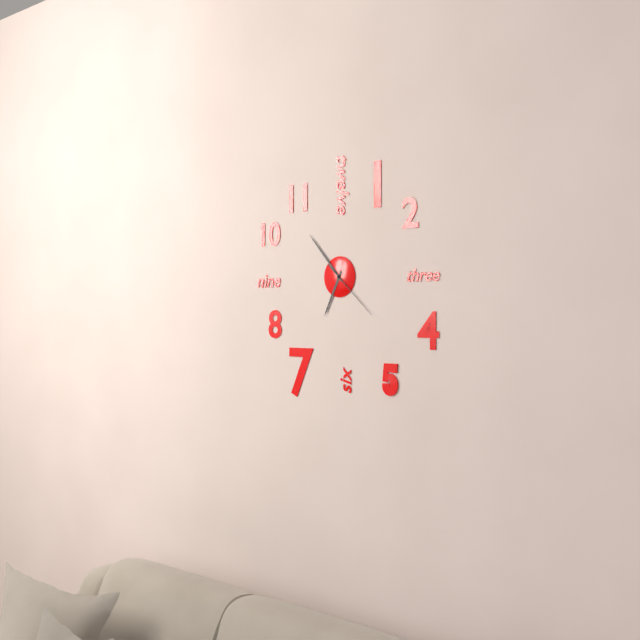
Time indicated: {"hour": 6, "minute": 53, "second": 22}
